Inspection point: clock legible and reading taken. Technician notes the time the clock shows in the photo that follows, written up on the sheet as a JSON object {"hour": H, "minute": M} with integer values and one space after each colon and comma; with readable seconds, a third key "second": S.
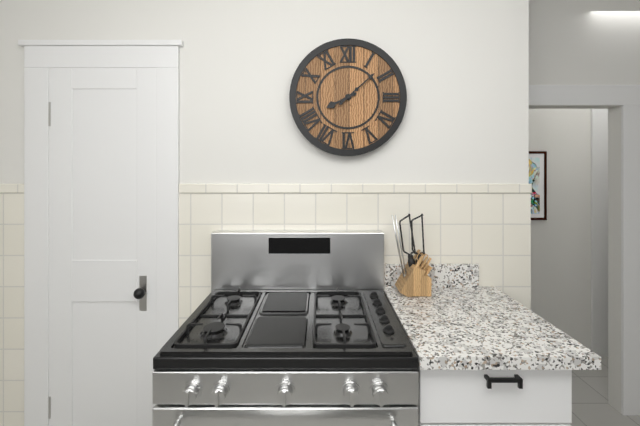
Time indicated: {"hour": 8, "minute": 8}
